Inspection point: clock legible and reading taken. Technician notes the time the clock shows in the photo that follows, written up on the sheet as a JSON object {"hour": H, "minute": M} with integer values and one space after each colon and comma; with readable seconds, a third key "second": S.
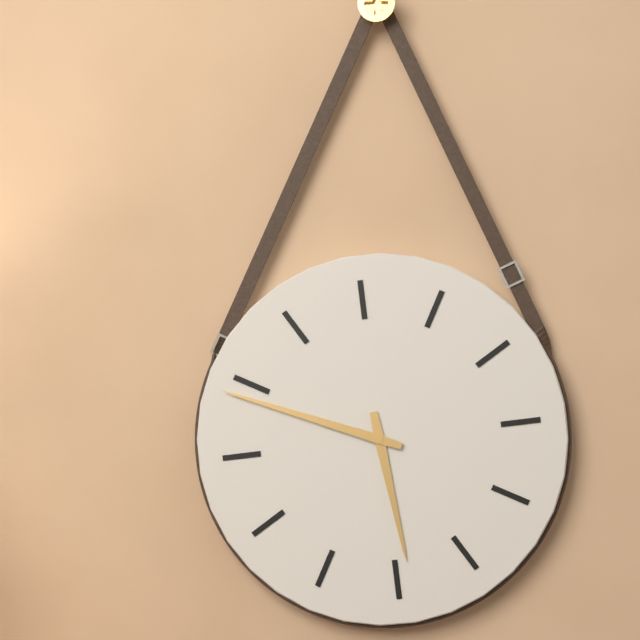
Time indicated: {"hour": 5, "minute": 49}
